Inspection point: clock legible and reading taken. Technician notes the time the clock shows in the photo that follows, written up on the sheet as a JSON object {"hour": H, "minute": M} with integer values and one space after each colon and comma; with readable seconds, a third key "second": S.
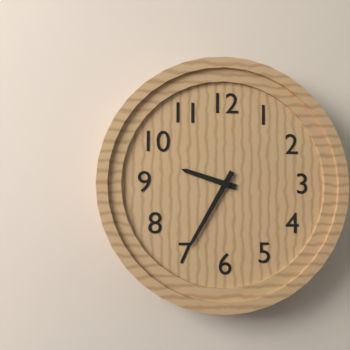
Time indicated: {"hour": 9, "minute": 35}
